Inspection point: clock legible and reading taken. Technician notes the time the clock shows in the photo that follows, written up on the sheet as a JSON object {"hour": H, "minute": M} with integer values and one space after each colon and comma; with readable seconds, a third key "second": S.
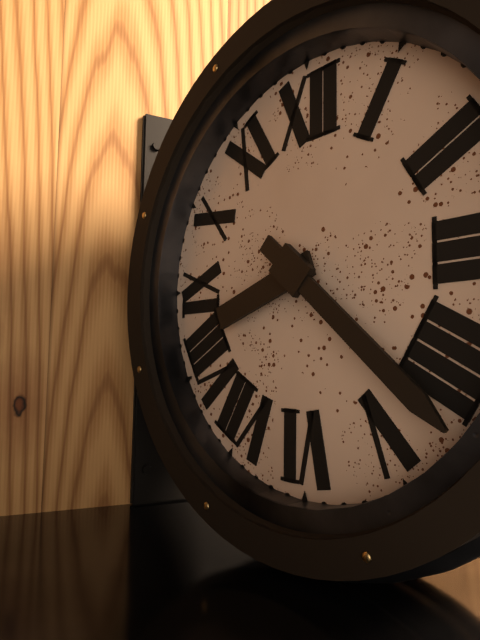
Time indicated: {"hour": 8, "minute": 22}
